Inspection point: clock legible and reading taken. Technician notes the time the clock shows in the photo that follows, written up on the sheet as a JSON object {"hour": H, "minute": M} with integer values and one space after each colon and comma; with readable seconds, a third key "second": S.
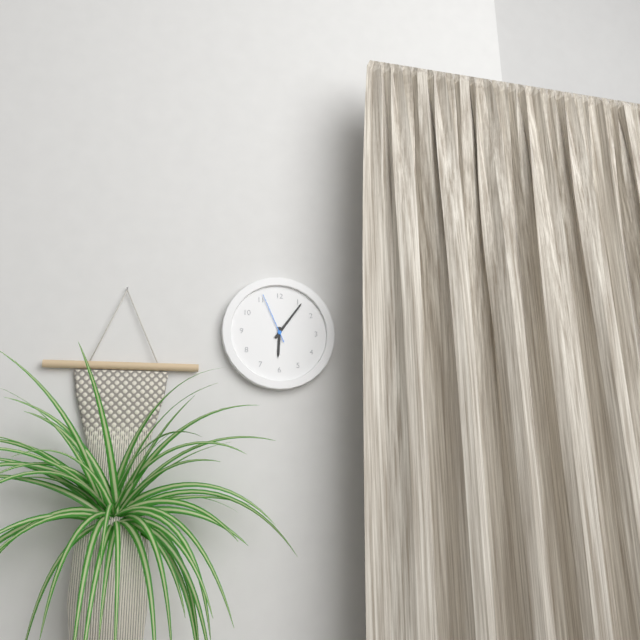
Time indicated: {"hour": 6, "minute": 6, "second": 56}
